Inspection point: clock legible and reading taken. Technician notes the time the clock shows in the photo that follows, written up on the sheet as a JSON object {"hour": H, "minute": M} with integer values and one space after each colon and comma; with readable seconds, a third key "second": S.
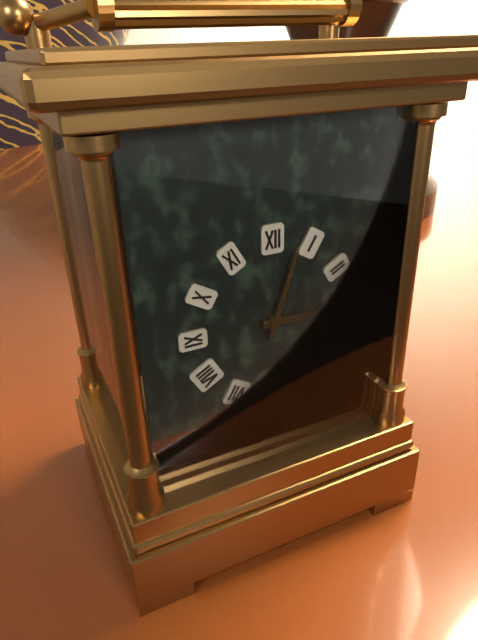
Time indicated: {"hour": 3, "minute": 3}
